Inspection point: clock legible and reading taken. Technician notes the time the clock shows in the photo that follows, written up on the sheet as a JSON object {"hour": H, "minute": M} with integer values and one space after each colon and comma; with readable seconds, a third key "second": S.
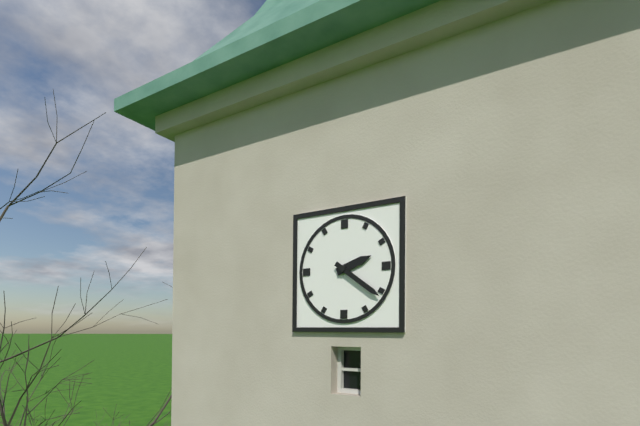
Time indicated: {"hour": 2, "minute": 21}
